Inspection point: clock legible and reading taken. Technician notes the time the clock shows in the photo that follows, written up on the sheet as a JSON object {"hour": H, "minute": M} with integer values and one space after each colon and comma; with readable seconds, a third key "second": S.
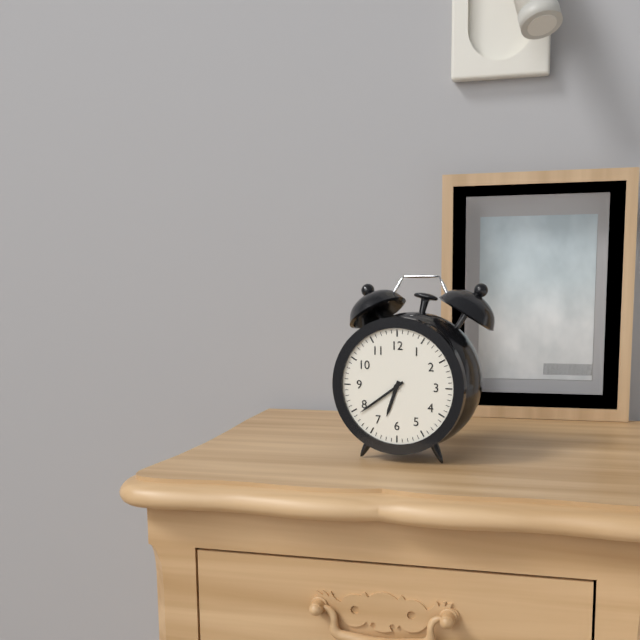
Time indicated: {"hour": 6, "minute": 39}
